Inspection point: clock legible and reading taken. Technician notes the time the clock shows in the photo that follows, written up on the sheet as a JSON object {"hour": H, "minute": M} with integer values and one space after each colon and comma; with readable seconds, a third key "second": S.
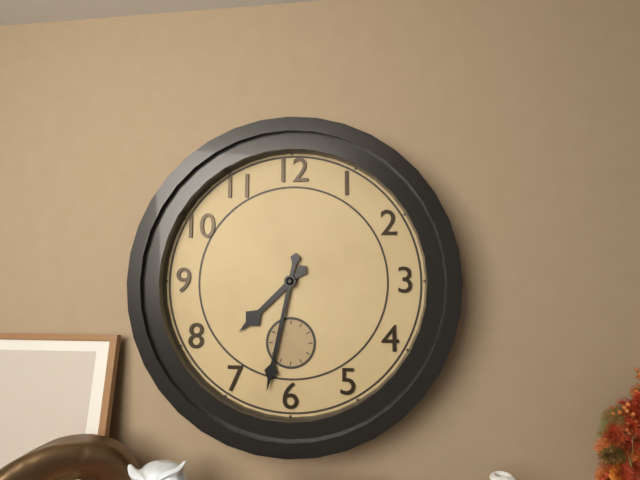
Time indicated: {"hour": 7, "minute": 32}
